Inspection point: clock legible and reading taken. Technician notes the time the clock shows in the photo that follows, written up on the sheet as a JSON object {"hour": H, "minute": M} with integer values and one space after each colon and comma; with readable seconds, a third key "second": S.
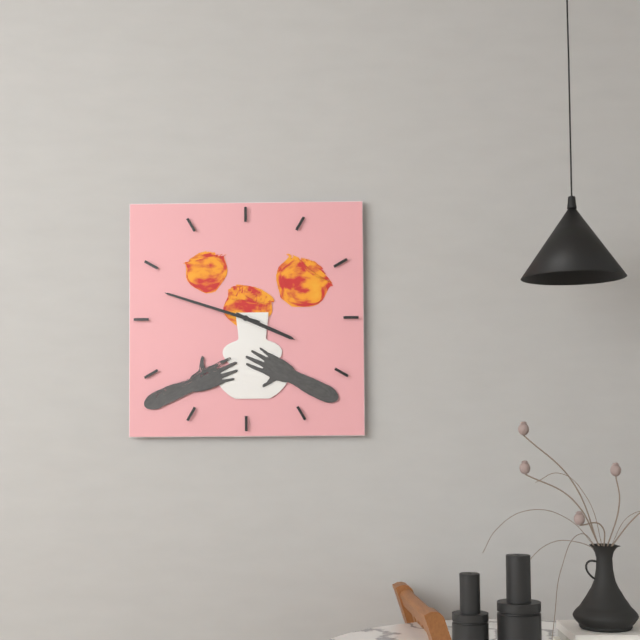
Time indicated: {"hour": 3, "minute": 48}
